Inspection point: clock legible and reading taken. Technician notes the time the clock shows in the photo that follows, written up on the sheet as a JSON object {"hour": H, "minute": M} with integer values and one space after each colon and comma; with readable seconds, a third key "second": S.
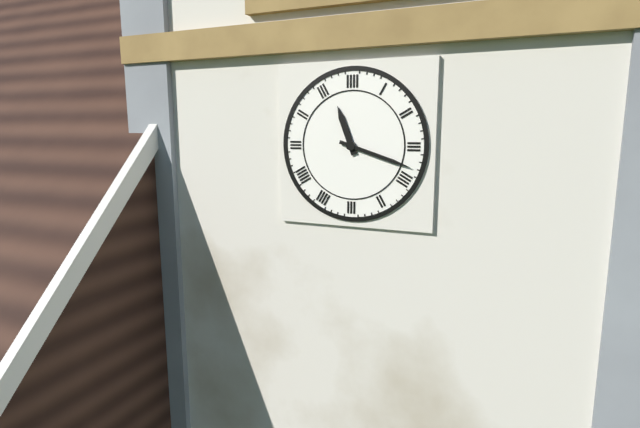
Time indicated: {"hour": 11, "minute": 18}
